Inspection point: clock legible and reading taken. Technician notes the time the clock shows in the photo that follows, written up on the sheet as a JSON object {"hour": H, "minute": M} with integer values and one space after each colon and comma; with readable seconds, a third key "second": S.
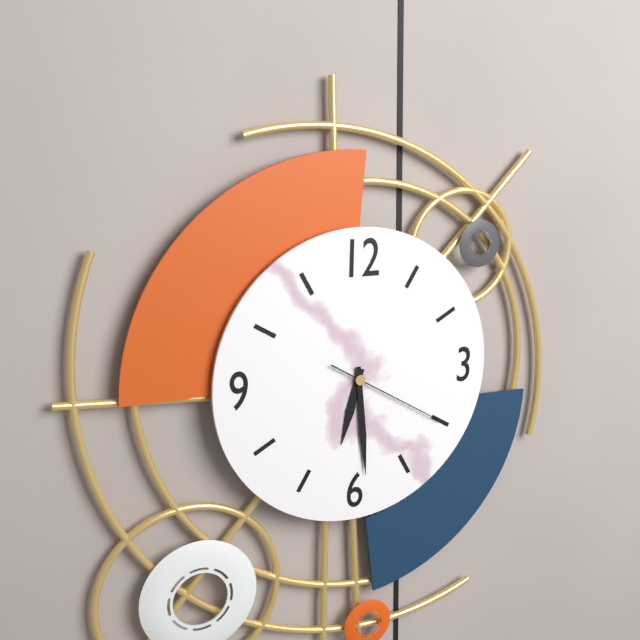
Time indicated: {"hour": 6, "minute": 29, "second": 20}
